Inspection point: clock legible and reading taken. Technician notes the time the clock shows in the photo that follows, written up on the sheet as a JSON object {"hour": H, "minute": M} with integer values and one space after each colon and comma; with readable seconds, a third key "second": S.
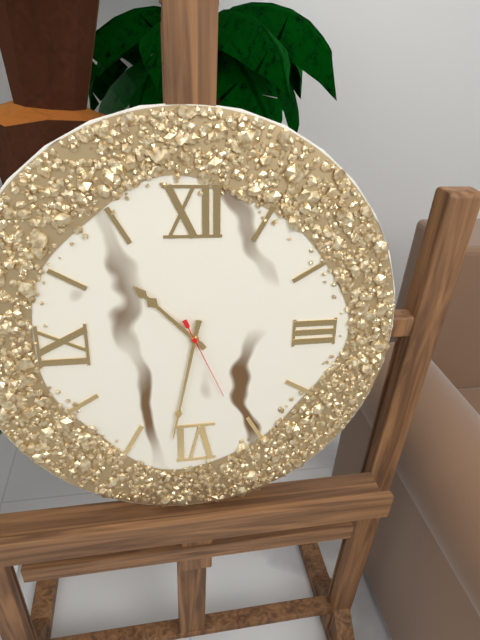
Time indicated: {"hour": 10, "minute": 32, "second": 26}
